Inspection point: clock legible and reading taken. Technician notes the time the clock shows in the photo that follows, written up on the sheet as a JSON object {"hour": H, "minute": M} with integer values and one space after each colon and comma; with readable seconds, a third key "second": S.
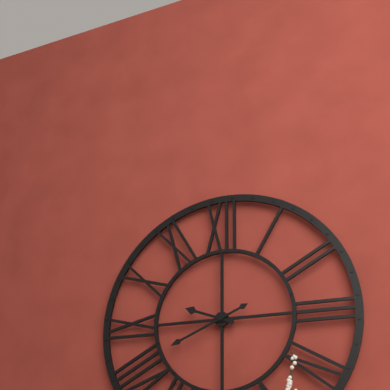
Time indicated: {"hour": 9, "minute": 41}
